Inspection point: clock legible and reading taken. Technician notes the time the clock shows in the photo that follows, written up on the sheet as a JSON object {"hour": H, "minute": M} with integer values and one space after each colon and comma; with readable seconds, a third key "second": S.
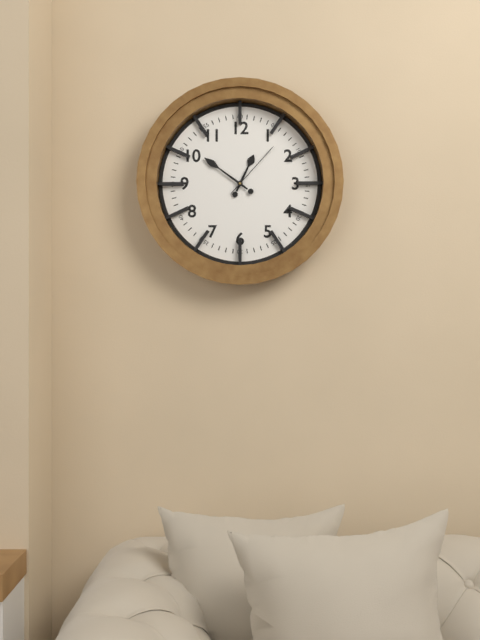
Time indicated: {"hour": 12, "minute": 51, "second": 7}
